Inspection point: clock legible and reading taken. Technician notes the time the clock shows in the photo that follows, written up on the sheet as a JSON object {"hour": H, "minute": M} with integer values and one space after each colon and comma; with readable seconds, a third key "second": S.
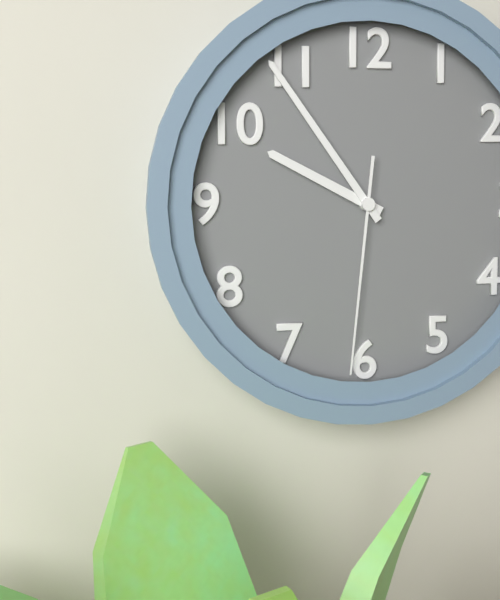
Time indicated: {"hour": 9, "minute": 54, "second": 31}
